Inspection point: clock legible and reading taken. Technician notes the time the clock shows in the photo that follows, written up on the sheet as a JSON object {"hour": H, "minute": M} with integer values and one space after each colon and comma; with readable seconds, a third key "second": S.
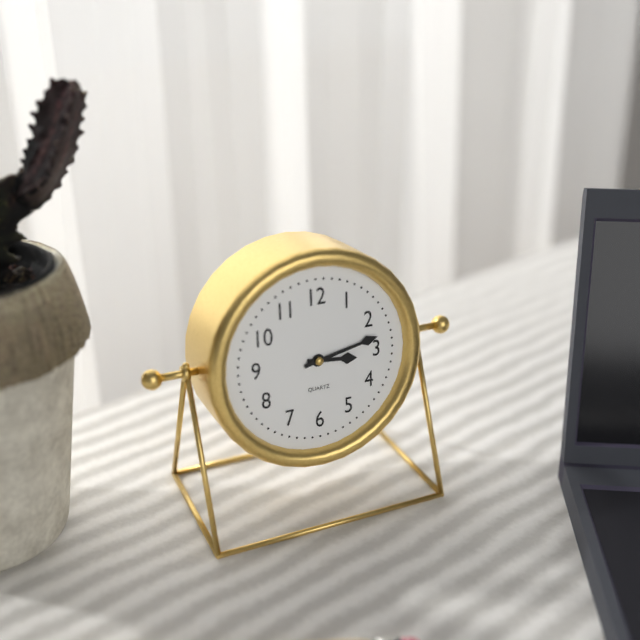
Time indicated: {"hour": 3, "minute": 13}
